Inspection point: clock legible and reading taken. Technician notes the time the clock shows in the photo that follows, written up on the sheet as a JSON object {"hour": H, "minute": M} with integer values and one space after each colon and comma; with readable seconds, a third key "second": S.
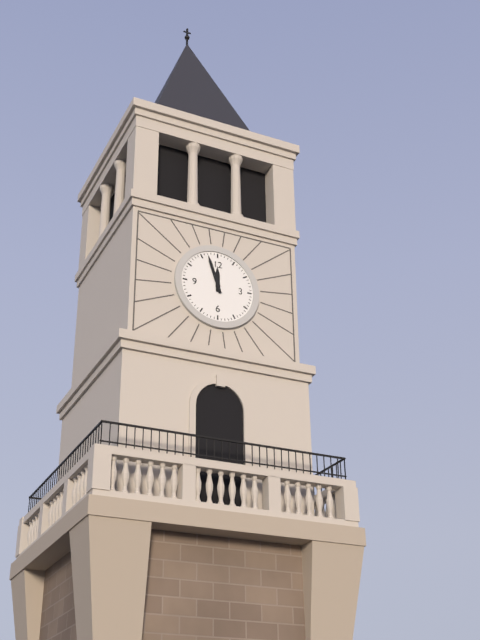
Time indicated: {"hour": 11, "minute": 57}
